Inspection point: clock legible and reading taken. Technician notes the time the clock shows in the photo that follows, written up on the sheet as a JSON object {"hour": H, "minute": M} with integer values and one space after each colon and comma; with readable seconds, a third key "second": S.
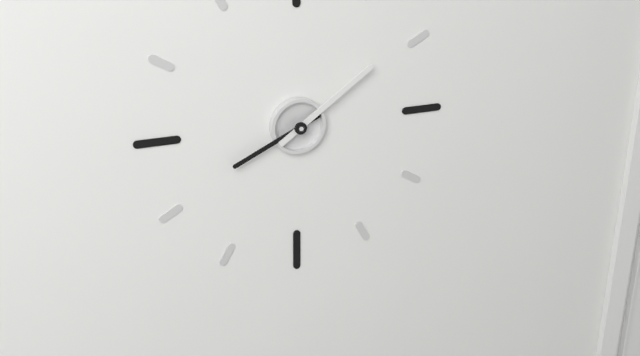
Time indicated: {"hour": 8, "minute": 9}
